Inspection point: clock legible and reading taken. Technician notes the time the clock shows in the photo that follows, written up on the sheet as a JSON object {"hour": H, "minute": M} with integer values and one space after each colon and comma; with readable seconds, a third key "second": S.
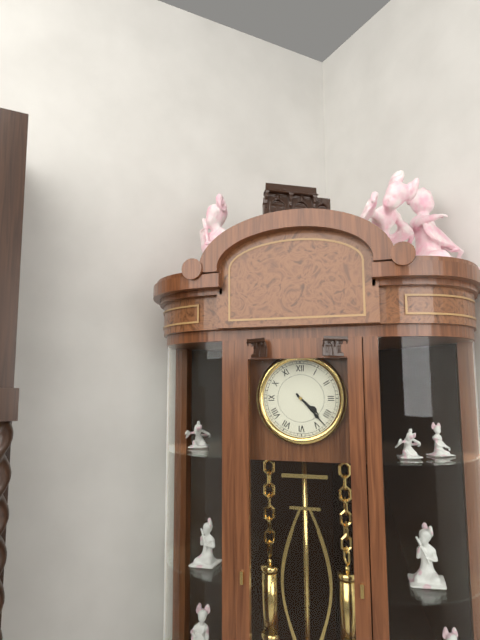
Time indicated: {"hour": 4, "minute": 23}
